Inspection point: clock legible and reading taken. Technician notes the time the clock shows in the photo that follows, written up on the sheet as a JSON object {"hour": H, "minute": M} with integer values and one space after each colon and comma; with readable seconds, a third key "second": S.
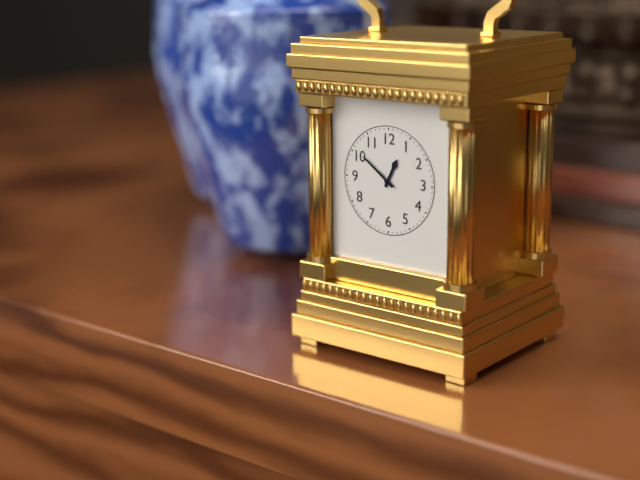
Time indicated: {"hour": 12, "minute": 51}
